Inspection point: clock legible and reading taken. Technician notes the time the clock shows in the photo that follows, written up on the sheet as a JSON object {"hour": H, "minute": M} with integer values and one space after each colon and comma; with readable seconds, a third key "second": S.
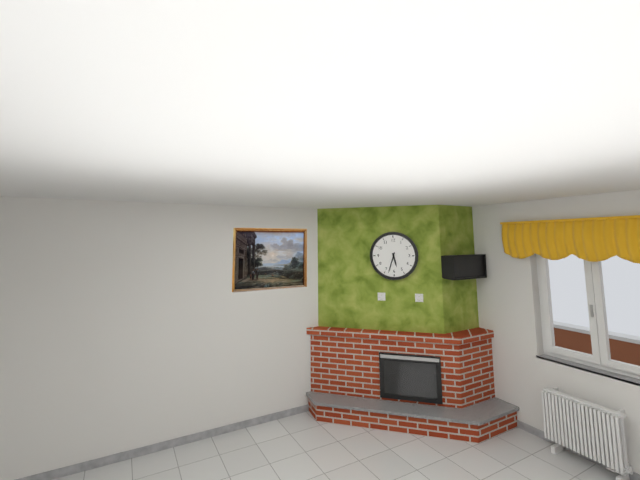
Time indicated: {"hour": 5, "minute": 33}
